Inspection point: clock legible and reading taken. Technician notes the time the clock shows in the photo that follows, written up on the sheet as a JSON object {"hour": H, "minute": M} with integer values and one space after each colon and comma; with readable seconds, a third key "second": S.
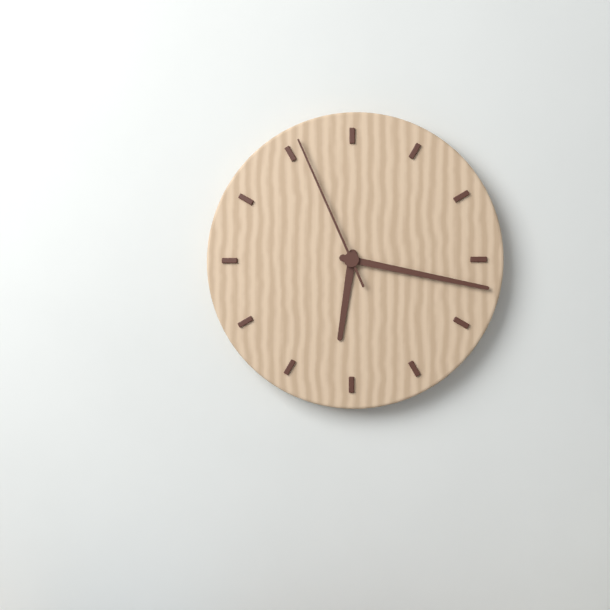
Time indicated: {"hour": 6, "minute": 17, "second": 56}
